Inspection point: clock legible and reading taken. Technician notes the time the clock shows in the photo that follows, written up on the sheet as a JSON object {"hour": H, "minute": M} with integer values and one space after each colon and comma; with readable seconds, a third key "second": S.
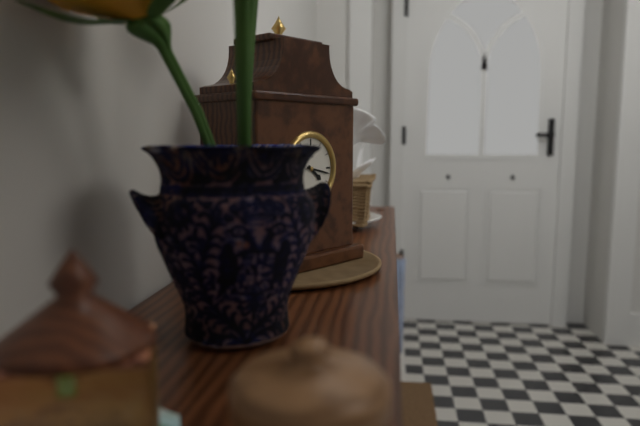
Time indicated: {"hour": 4, "minute": 17}
